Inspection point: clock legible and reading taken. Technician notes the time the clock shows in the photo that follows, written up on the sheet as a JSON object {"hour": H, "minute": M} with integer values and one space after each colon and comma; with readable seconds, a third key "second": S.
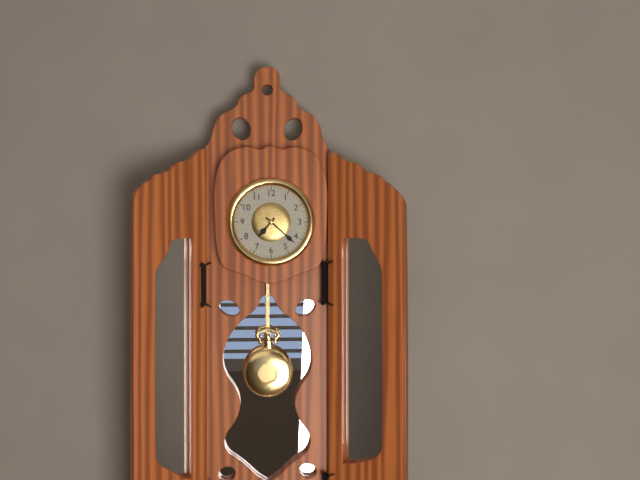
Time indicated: {"hour": 7, "minute": 22}
